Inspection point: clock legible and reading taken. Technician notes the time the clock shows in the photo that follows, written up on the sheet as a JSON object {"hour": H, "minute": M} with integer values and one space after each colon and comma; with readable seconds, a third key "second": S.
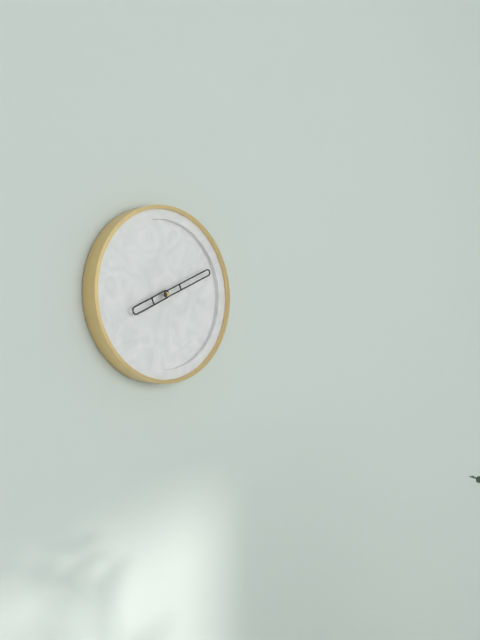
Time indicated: {"hour": 8, "minute": 11}
